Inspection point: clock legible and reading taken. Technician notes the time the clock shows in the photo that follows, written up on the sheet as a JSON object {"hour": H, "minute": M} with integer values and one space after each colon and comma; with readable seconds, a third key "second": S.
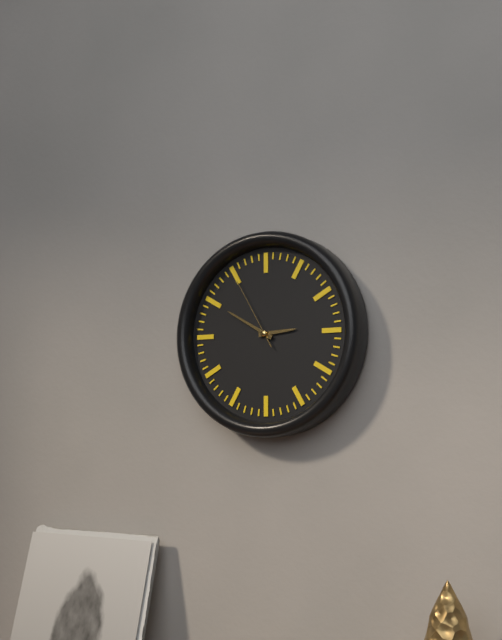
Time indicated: {"hour": 2, "minute": 50, "second": 55}
